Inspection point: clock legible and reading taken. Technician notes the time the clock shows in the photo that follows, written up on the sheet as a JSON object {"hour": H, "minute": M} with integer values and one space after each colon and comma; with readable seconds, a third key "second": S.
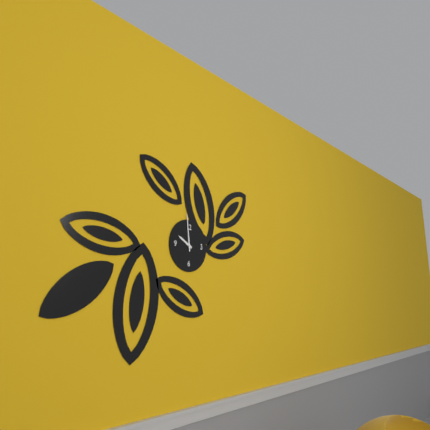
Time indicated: {"hour": 9, "minute": 59}
